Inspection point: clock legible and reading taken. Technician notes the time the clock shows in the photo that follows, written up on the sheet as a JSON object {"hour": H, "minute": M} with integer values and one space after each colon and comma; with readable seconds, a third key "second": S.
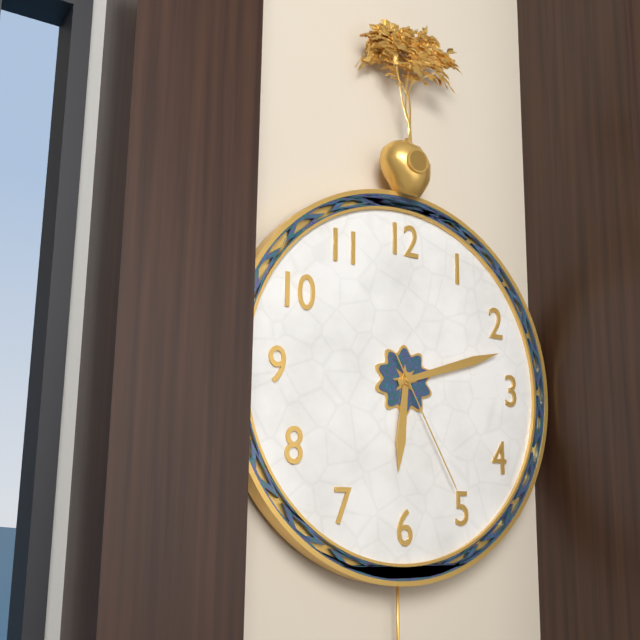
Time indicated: {"hour": 6, "minute": 12, "second": 25}
